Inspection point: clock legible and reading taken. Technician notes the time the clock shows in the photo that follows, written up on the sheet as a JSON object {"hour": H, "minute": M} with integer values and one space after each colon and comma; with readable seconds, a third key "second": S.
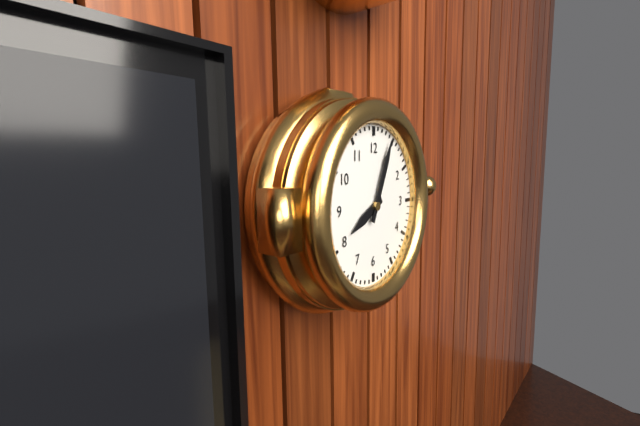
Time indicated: {"hour": 8, "minute": 4}
